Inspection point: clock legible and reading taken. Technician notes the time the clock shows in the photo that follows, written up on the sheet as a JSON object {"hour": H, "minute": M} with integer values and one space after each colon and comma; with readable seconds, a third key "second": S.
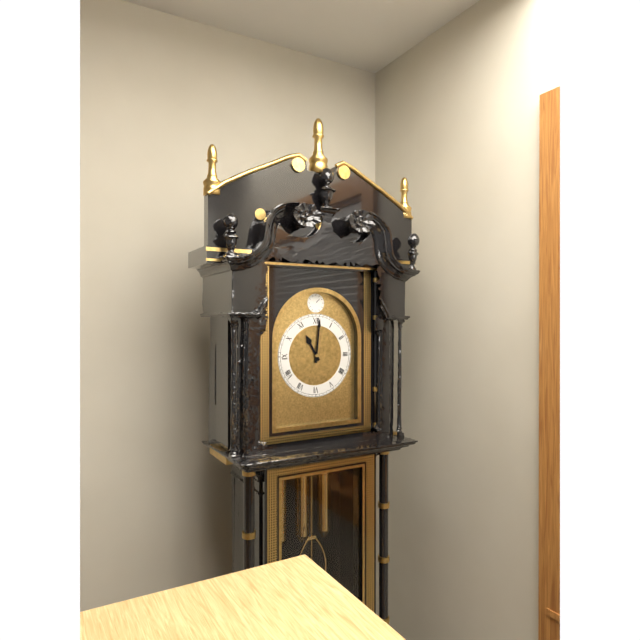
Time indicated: {"hour": 11, "minute": 1}
